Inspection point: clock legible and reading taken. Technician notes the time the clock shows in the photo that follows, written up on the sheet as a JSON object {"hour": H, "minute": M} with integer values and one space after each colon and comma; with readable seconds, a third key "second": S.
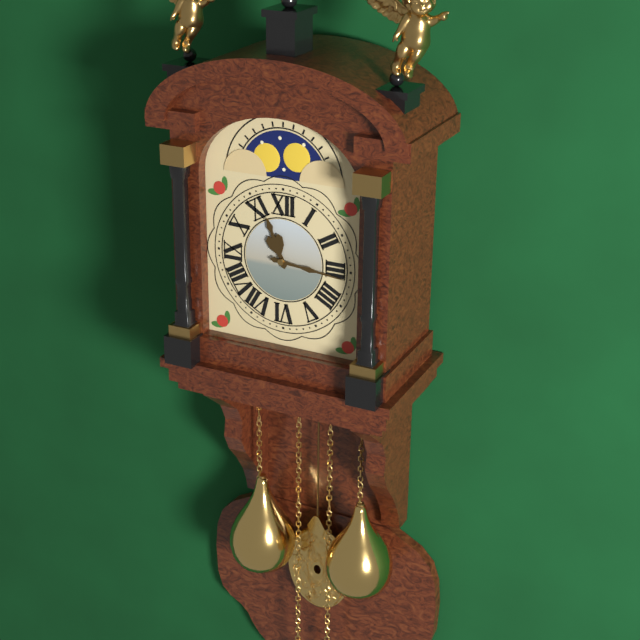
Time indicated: {"hour": 11, "minute": 16}
